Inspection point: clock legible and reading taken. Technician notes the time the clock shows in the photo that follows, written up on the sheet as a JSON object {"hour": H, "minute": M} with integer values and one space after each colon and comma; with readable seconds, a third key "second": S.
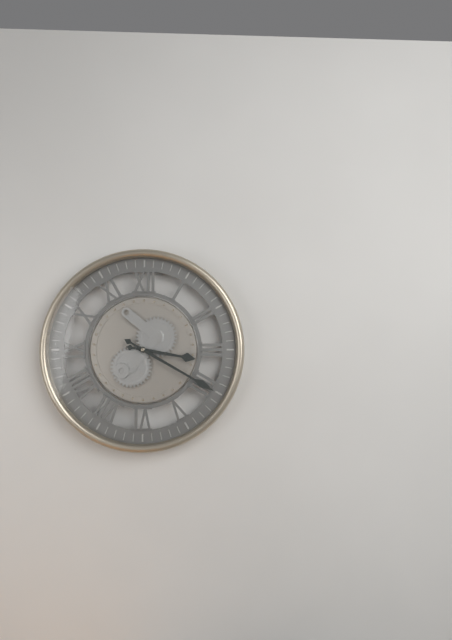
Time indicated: {"hour": 3, "minute": 20}
